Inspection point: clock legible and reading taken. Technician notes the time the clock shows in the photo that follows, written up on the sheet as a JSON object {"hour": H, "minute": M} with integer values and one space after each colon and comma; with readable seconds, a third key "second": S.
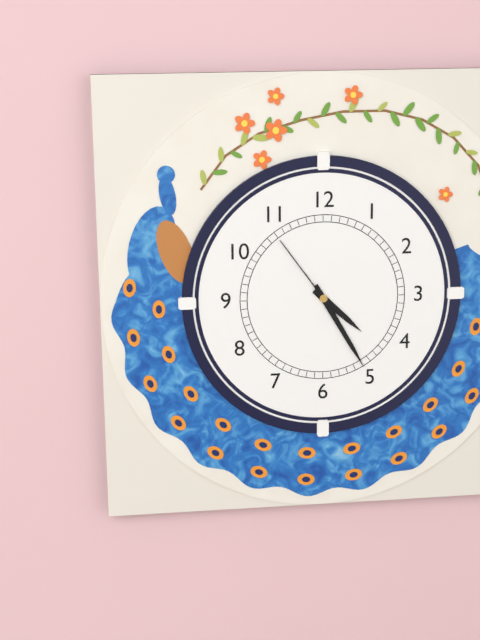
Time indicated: {"hour": 4, "minute": 25, "second": 54}
